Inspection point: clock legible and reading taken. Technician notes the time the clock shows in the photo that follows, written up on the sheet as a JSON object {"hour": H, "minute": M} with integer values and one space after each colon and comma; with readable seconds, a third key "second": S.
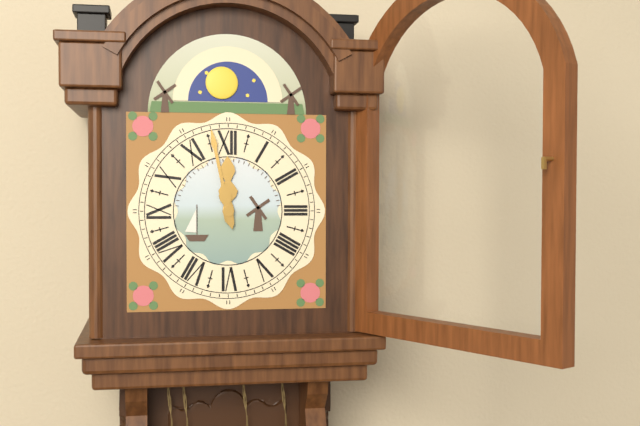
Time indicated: {"hour": 11, "minute": 58}
